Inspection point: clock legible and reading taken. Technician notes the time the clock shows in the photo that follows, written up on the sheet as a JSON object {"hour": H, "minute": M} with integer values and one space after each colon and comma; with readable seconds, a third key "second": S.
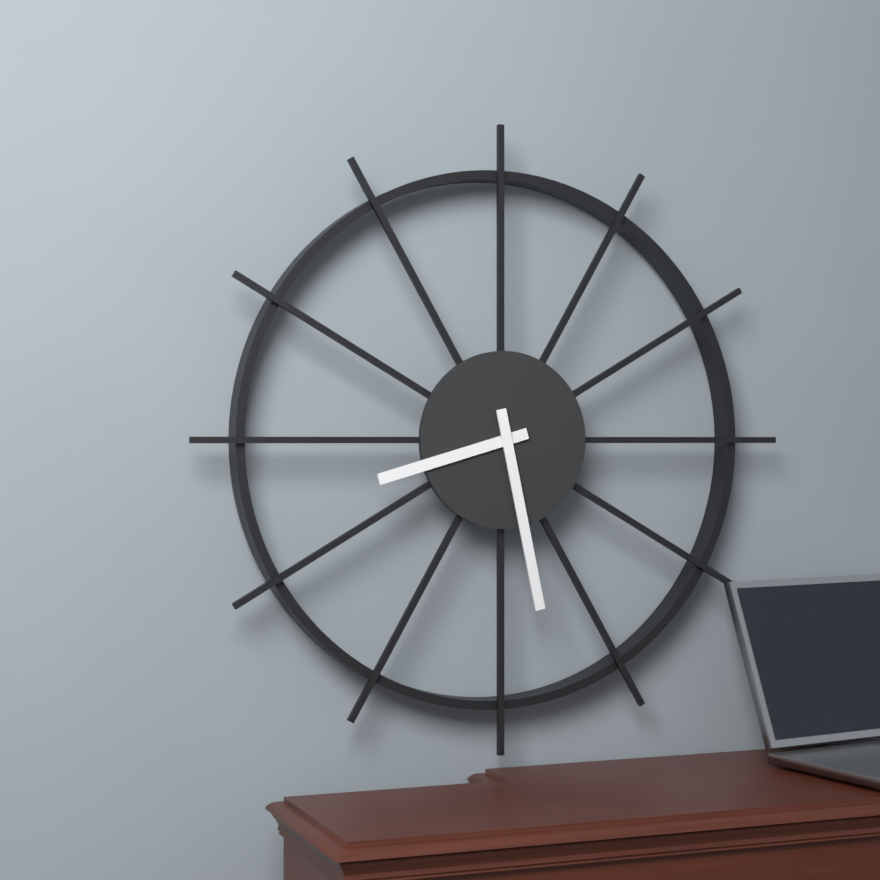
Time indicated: {"hour": 8, "minute": 28}
